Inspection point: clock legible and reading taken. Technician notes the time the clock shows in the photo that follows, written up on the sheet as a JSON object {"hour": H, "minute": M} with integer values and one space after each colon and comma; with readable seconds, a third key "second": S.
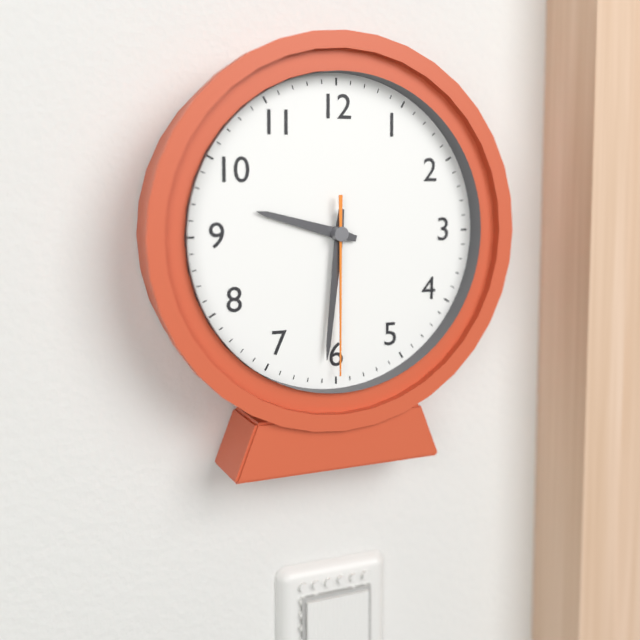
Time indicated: {"hour": 9, "minute": 31, "second": 30}
